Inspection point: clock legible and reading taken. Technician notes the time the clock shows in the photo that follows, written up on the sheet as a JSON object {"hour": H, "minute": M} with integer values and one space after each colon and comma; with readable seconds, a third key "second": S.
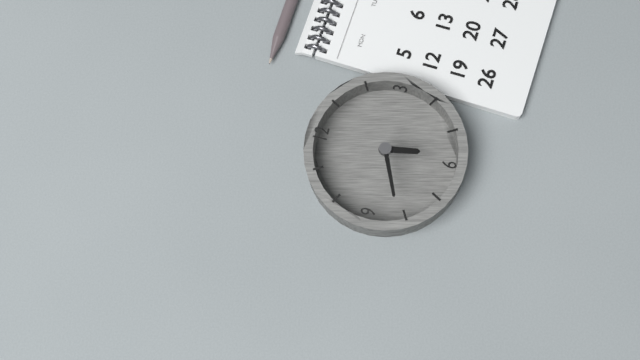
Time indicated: {"hour": 5, "minute": 41}
